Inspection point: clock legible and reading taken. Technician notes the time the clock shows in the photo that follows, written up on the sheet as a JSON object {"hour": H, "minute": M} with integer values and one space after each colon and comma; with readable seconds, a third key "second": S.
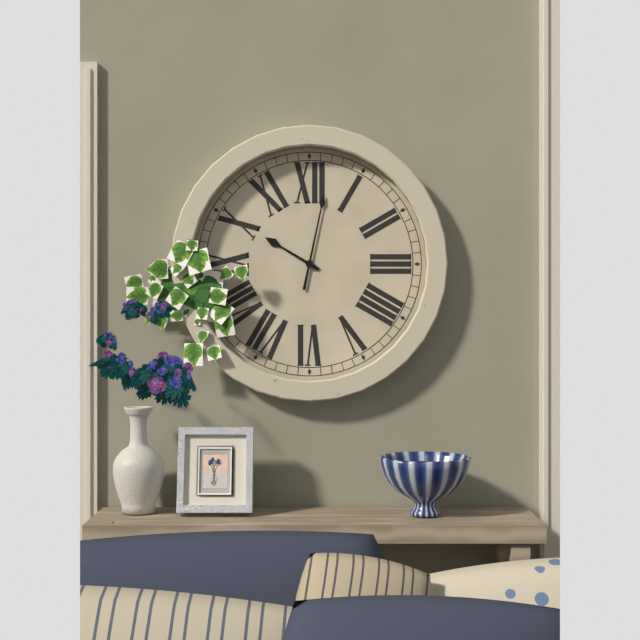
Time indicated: {"hour": 10, "minute": 2}
